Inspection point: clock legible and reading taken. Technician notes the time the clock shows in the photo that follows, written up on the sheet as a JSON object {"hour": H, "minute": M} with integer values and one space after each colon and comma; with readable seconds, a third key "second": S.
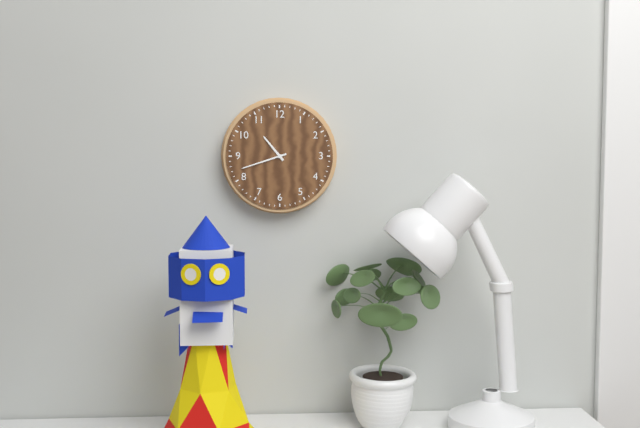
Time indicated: {"hour": 10, "minute": 42}
